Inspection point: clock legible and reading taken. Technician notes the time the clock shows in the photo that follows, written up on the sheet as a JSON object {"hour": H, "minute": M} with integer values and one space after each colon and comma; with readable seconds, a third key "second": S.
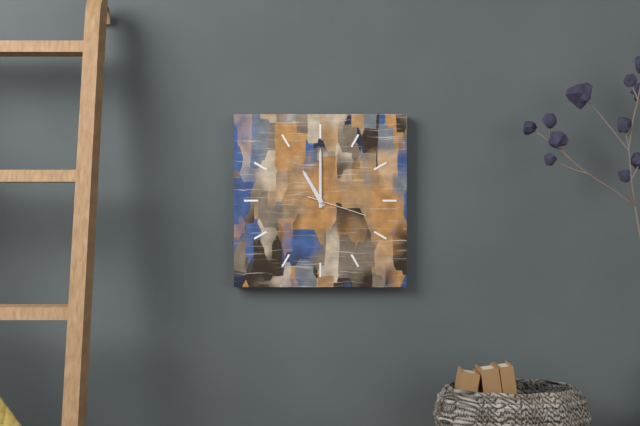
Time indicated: {"hour": 11, "minute": 0, "second": 18}
